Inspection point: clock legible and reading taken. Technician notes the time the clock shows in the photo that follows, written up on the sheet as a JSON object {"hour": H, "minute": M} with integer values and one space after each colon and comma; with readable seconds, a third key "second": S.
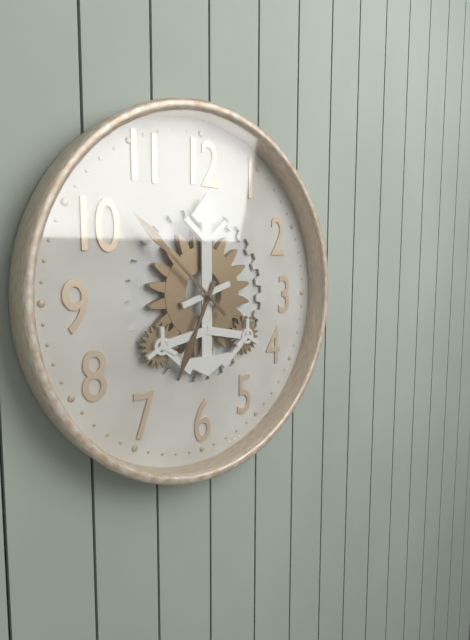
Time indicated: {"hour": 6, "minute": 52}
